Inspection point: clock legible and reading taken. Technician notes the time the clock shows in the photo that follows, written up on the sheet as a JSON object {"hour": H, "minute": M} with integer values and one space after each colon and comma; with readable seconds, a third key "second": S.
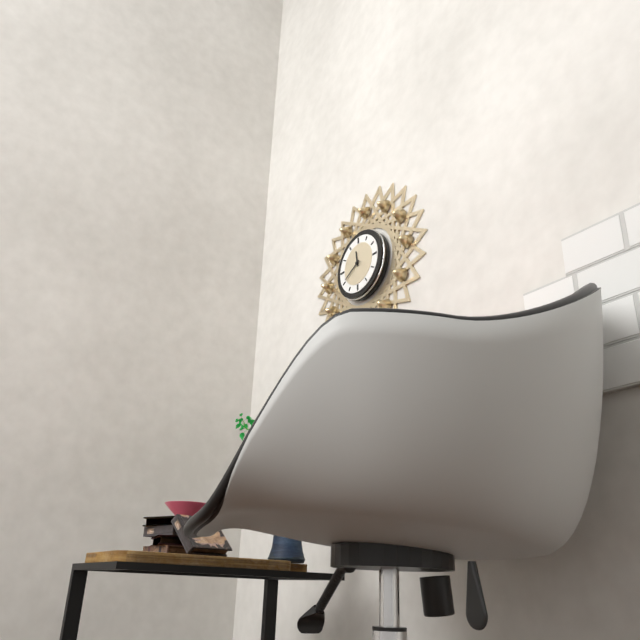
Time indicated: {"hour": 11, "minute": 40}
